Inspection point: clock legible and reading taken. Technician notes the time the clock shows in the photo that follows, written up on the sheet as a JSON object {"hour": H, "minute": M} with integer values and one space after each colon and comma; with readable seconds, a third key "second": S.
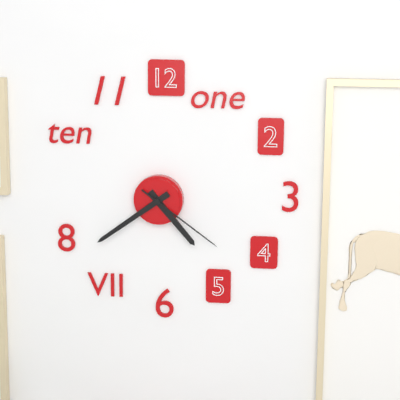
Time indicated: {"hour": 4, "minute": 39, "second": 21}
